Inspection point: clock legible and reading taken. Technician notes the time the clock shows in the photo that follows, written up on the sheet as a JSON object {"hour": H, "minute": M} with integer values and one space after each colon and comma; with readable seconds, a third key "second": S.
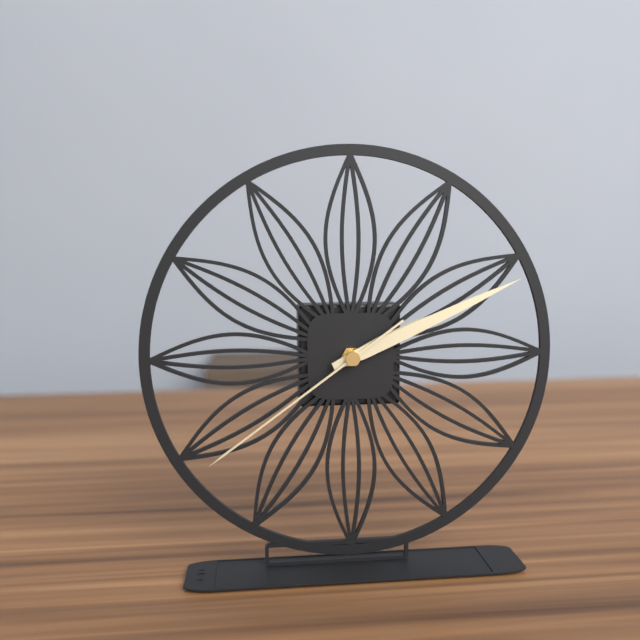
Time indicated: {"hour": 2, "minute": 11, "second": 39}
